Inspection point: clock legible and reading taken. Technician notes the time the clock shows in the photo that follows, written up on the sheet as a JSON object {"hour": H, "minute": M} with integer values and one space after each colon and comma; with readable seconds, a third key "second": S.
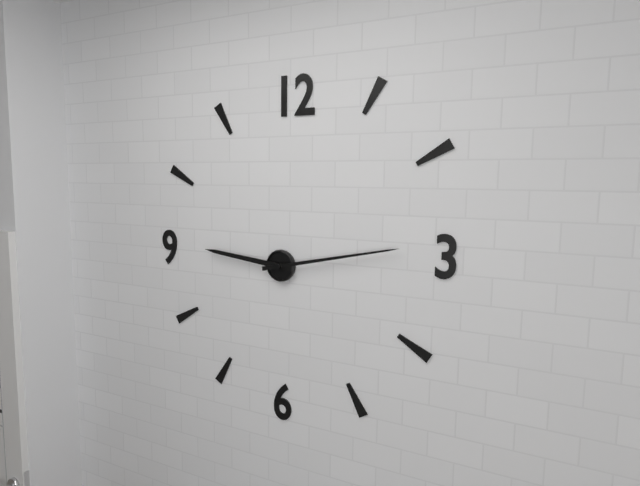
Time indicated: {"hour": 9, "minute": 13}
